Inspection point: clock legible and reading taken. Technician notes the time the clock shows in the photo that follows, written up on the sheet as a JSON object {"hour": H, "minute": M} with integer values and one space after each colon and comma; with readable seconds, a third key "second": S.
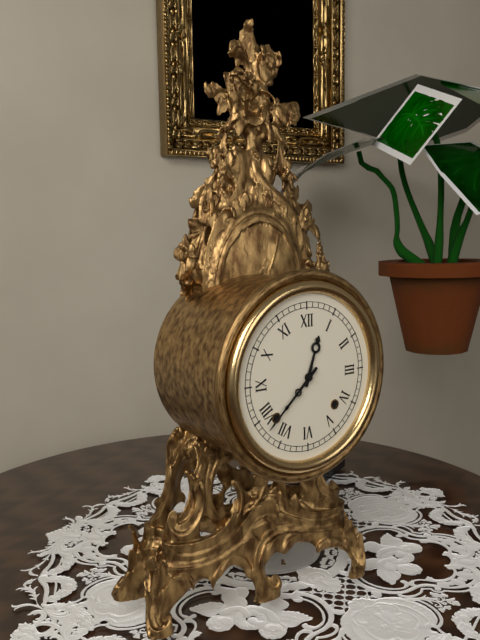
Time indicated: {"hour": 12, "minute": 38}
